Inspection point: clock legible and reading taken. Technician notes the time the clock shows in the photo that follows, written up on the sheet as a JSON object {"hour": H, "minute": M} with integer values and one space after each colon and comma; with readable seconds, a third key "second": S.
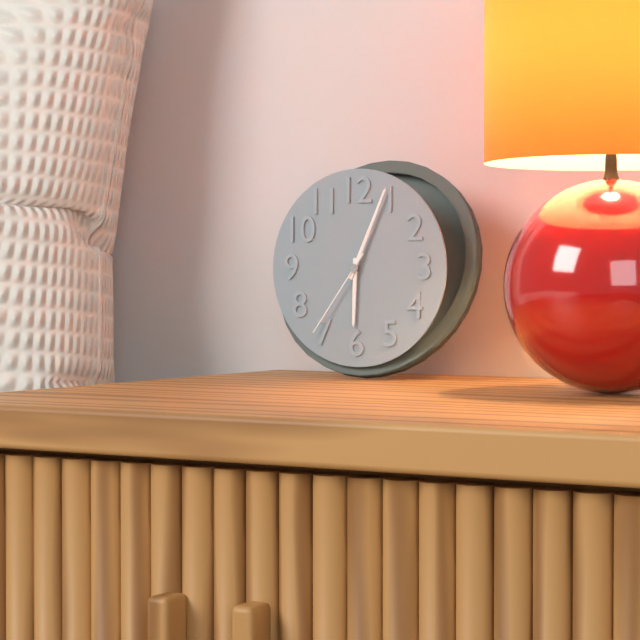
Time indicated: {"hour": 6, "minute": 4, "second": 36}
